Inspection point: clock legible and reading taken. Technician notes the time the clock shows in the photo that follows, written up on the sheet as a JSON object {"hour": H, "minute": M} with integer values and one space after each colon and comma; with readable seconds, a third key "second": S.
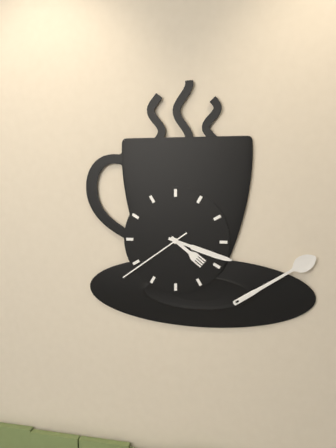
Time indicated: {"hour": 4, "minute": 18, "second": 39}
